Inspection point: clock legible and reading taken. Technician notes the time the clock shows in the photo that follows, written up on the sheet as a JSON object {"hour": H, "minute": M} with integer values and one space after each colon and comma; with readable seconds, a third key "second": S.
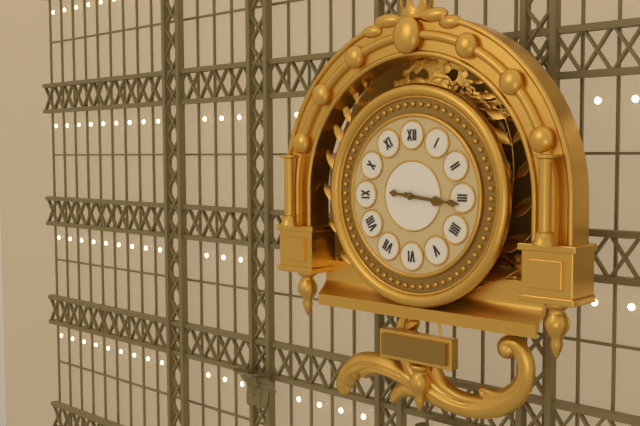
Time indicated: {"hour": 3, "minute": 16}
